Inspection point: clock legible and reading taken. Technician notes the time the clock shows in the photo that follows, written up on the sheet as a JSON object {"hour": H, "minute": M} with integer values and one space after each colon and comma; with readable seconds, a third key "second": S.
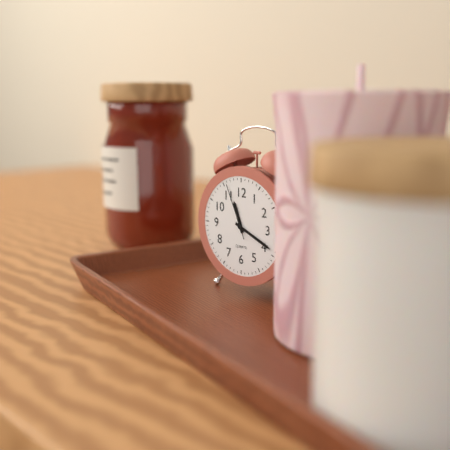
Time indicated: {"hour": 11, "minute": 19, "second": 56}
